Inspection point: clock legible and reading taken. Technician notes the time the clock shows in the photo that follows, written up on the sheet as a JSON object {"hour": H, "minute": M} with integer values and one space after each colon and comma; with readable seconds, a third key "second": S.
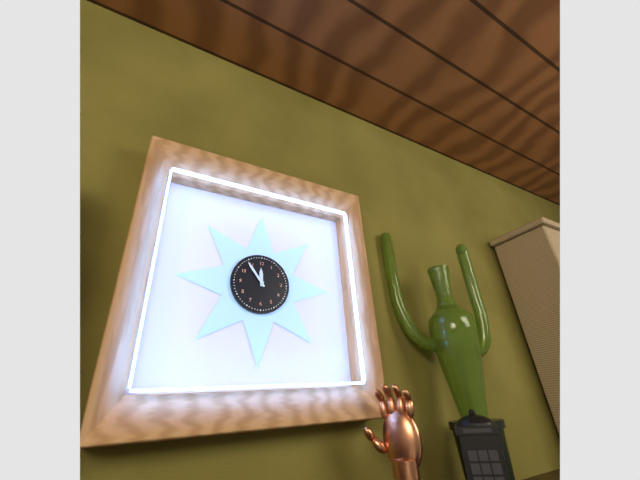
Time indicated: {"hour": 11, "minute": 54}
